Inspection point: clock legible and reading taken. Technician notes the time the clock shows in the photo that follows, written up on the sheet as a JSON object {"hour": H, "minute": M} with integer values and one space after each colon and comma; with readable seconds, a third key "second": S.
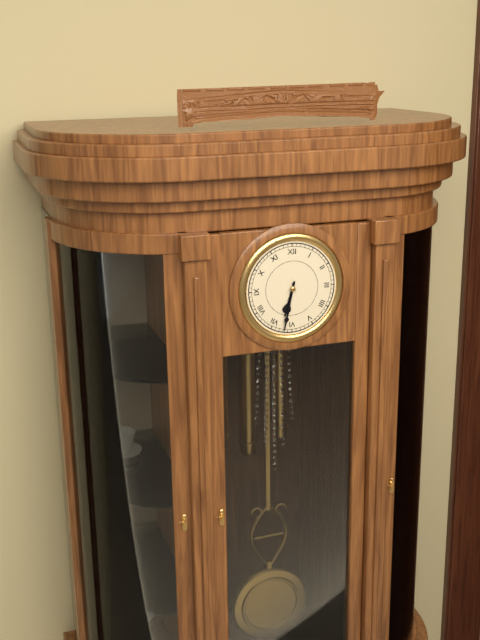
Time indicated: {"hour": 6, "minute": 32}
